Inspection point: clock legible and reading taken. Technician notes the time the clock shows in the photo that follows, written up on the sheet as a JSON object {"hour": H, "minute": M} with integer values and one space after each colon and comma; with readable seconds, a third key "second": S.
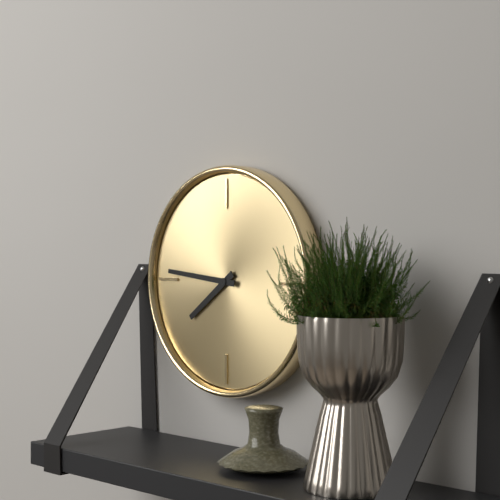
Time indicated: {"hour": 7, "minute": 46}
